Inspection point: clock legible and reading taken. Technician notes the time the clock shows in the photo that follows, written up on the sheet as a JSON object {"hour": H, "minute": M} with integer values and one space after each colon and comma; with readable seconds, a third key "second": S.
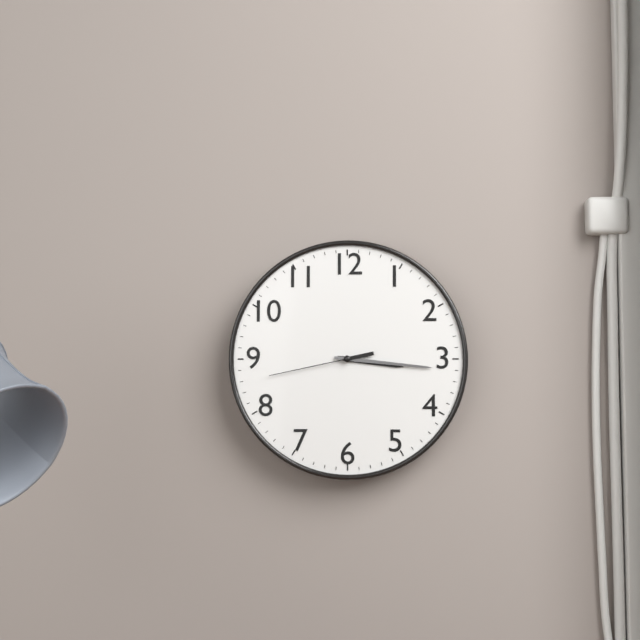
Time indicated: {"hour": 3, "minute": 16, "second": 43}
